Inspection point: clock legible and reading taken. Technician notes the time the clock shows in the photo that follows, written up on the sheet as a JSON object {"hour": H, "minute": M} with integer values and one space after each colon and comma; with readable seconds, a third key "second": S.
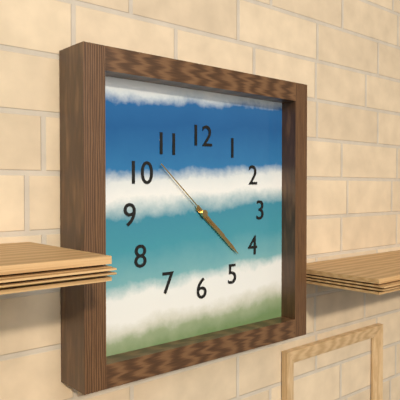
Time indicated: {"hour": 4, "minute": 22, "second": 52}
